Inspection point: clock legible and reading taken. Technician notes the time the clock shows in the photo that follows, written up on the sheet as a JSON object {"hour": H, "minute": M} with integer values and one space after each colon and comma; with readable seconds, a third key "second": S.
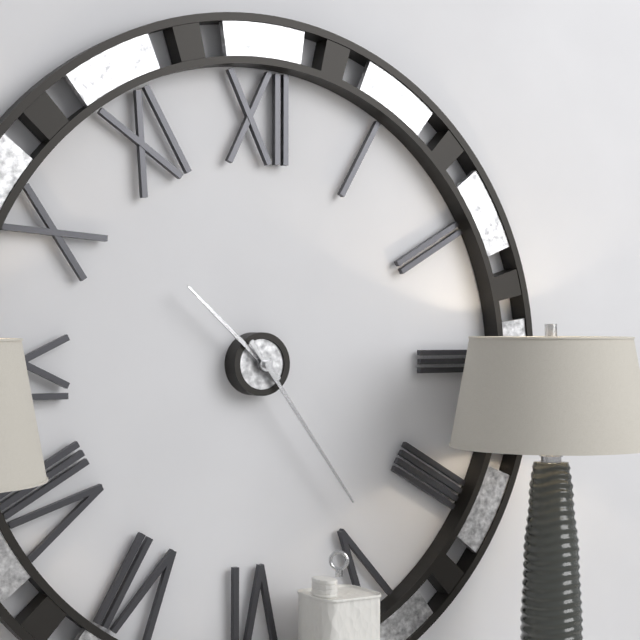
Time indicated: {"hour": 10, "minute": 24}
